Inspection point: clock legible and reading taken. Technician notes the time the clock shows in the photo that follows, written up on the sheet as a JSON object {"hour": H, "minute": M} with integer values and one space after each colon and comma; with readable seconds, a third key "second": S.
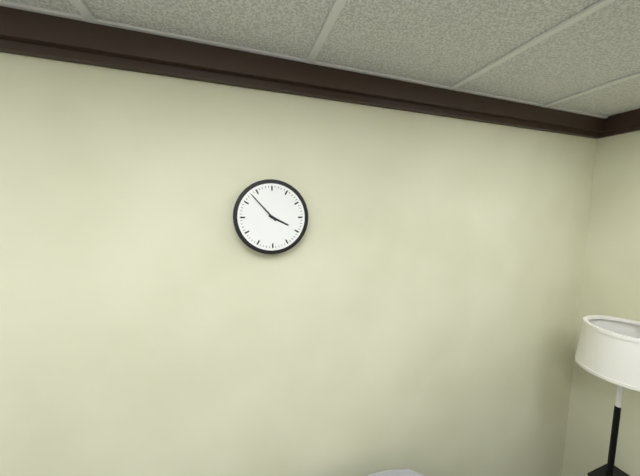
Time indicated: {"hour": 3, "minute": 53}
